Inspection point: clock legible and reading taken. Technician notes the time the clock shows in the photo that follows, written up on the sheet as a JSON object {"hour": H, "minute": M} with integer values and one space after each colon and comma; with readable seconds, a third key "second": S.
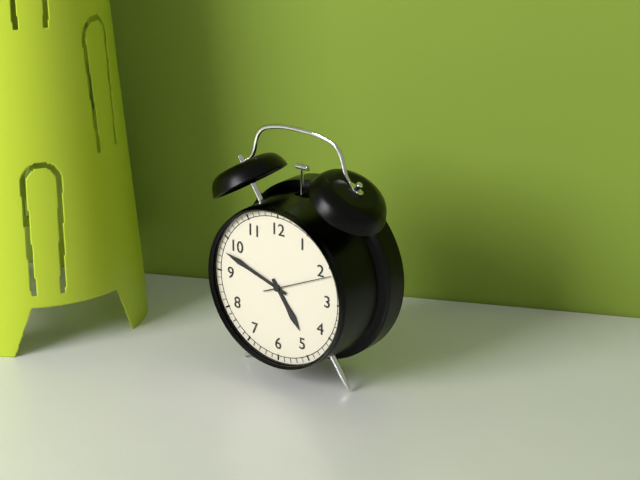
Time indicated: {"hour": 4, "minute": 48}
